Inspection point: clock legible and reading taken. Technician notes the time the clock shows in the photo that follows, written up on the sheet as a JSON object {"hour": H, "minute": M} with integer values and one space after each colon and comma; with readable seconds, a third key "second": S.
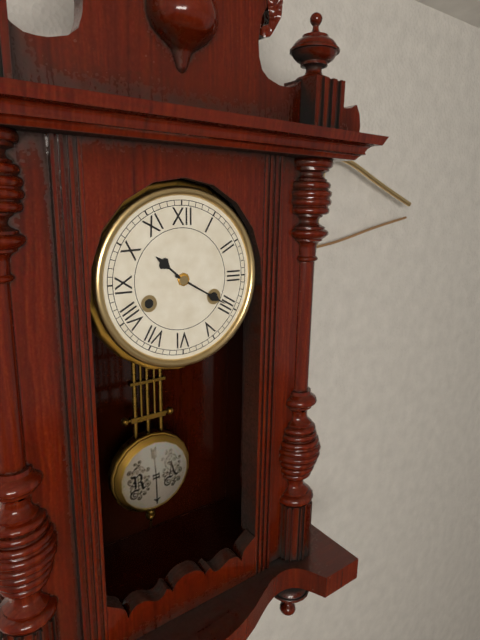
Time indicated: {"hour": 10, "minute": 20}
